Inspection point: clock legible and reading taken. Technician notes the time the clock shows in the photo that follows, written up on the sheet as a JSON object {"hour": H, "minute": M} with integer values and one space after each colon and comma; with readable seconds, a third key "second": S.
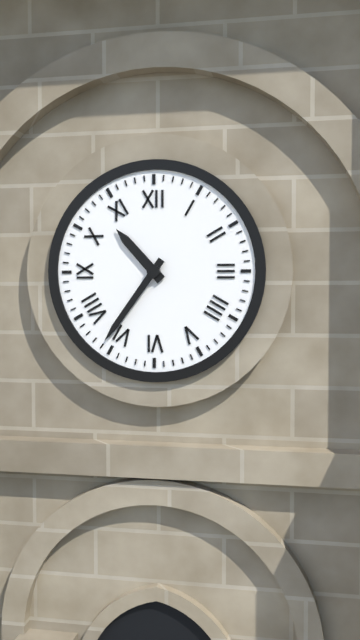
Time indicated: {"hour": 10, "minute": 36}
